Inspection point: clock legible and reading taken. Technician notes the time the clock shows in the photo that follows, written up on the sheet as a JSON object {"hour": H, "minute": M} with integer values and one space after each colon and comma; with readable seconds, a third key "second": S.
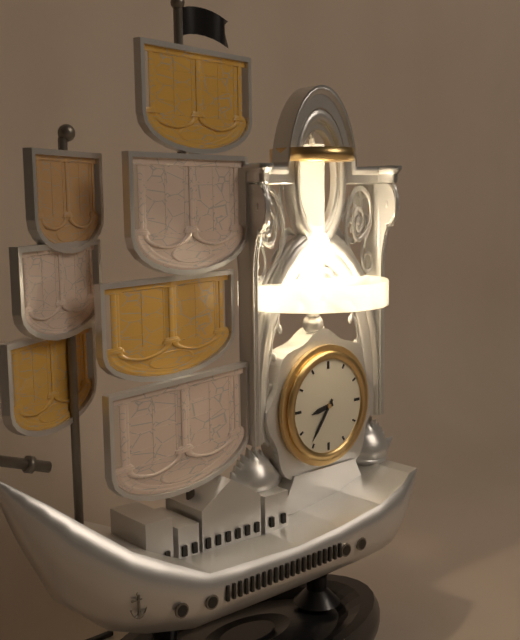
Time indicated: {"hour": 8, "minute": 36}
